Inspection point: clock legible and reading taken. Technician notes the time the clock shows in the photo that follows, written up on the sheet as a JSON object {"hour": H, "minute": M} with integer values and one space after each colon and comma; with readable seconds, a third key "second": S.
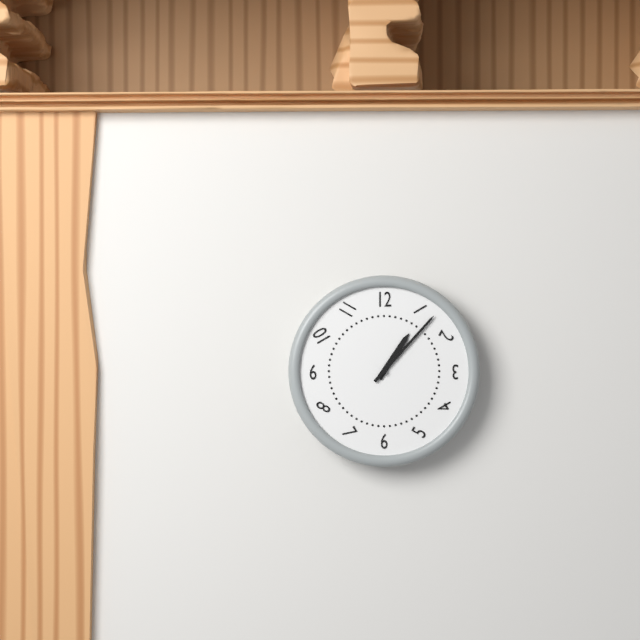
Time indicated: {"hour": 1, "minute": 7}
